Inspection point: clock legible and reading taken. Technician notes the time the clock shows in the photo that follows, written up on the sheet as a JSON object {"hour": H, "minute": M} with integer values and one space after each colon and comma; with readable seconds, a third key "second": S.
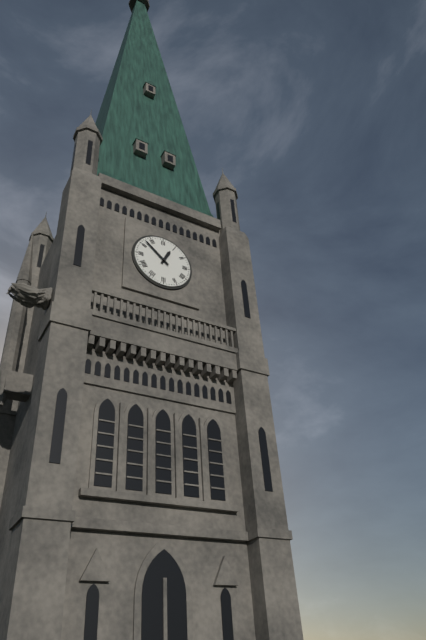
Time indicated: {"hour": 12, "minute": 52}
